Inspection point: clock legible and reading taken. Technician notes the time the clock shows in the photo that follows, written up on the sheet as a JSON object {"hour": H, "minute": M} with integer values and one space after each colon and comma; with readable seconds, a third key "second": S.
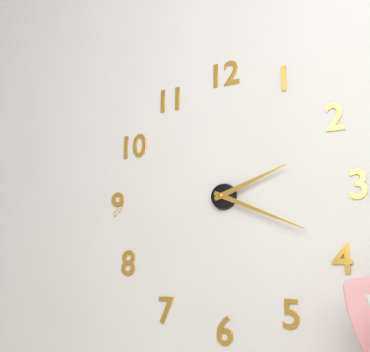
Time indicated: {"hour": 2, "minute": 19}
